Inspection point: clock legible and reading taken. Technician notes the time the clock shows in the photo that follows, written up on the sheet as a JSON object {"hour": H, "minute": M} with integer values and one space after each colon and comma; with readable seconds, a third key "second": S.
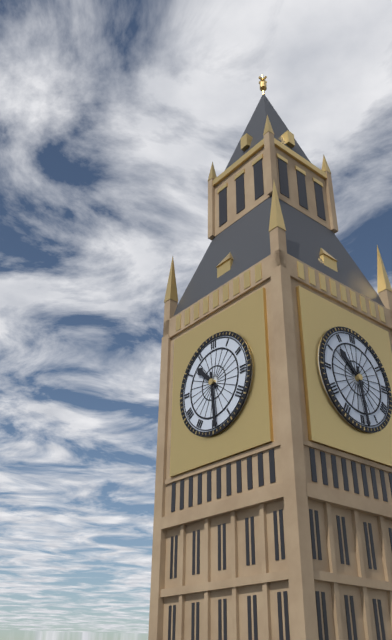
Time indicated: {"hour": 10, "minute": 29}
